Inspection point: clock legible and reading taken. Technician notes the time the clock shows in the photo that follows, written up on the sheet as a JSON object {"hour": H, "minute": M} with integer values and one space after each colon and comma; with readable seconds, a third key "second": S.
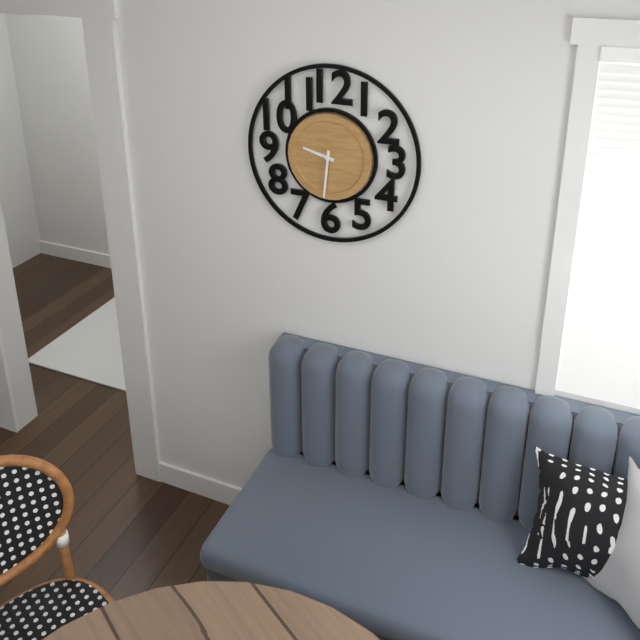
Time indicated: {"hour": 9, "minute": 31}
